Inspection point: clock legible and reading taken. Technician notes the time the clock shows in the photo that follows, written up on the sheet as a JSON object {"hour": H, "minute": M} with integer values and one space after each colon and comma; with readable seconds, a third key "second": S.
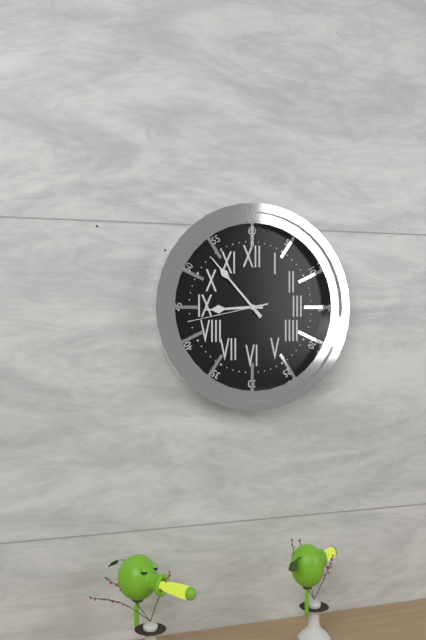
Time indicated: {"hour": 8, "minute": 53, "second": 43}
